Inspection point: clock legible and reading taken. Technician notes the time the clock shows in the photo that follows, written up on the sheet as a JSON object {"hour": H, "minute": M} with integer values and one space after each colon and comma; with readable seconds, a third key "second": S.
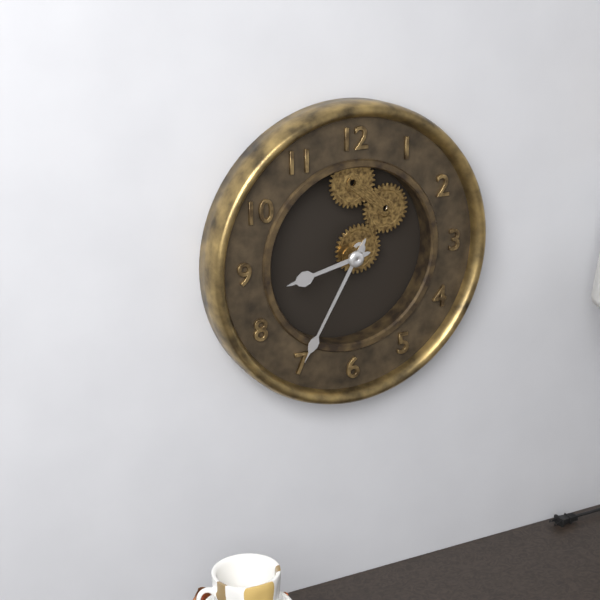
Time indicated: {"hour": 8, "minute": 35}
